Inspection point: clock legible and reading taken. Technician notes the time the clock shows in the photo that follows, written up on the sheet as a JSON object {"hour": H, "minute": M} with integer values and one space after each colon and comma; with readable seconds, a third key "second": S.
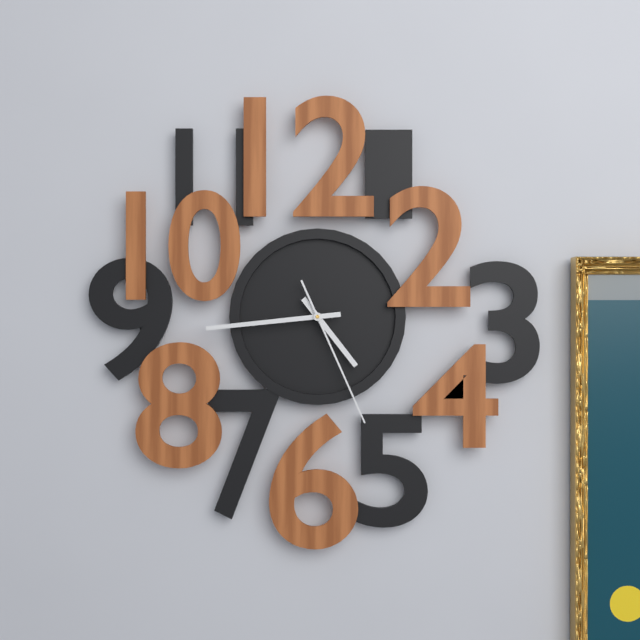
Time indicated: {"hour": 4, "minute": 44, "second": 26}
